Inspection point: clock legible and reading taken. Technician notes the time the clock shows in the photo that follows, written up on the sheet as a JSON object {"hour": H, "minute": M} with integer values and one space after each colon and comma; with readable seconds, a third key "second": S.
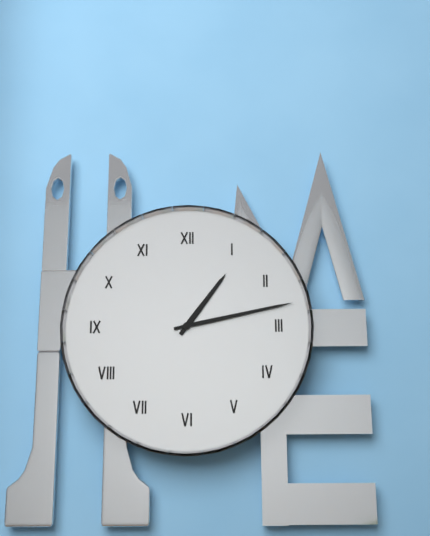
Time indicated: {"hour": 1, "minute": 13}
